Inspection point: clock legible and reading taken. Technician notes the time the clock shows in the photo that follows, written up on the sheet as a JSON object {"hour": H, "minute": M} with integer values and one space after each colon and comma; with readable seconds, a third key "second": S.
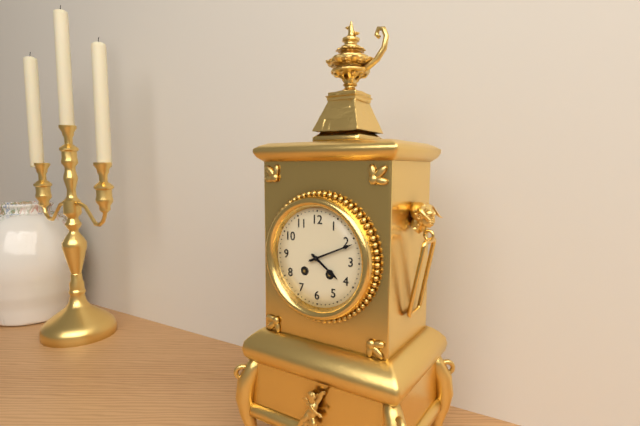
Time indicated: {"hour": 4, "minute": 11}
